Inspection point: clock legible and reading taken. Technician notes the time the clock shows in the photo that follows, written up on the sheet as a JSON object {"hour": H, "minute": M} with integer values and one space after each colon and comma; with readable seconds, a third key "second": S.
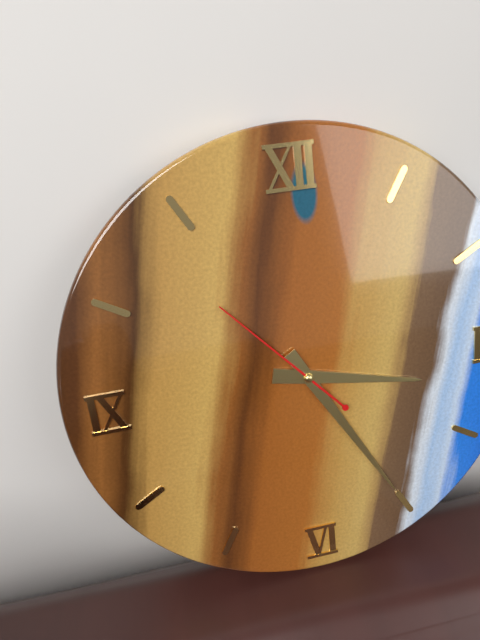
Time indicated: {"hour": 3, "minute": 25, "second": 53}
